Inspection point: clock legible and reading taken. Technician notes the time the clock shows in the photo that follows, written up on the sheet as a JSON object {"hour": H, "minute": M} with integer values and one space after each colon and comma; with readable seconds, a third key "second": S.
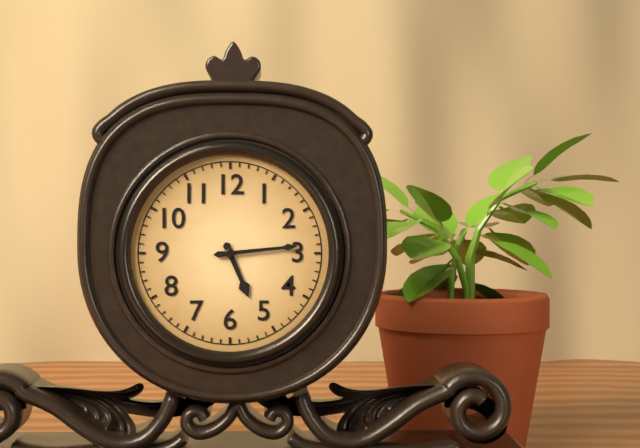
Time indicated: {"hour": 5, "minute": 14}
